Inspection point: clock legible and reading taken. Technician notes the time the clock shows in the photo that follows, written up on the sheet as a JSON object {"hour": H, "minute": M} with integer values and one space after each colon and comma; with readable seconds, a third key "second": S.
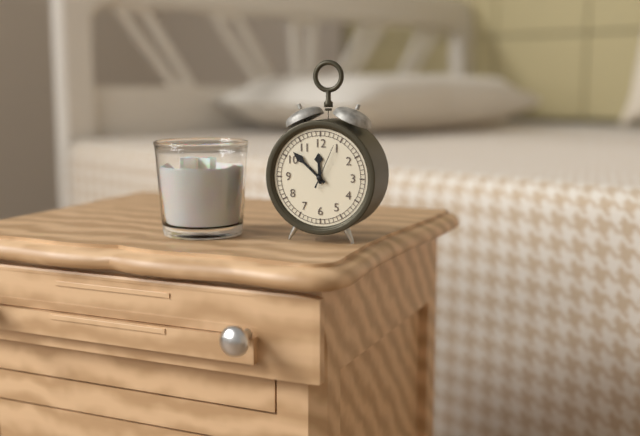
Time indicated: {"hour": 11, "minute": 52}
